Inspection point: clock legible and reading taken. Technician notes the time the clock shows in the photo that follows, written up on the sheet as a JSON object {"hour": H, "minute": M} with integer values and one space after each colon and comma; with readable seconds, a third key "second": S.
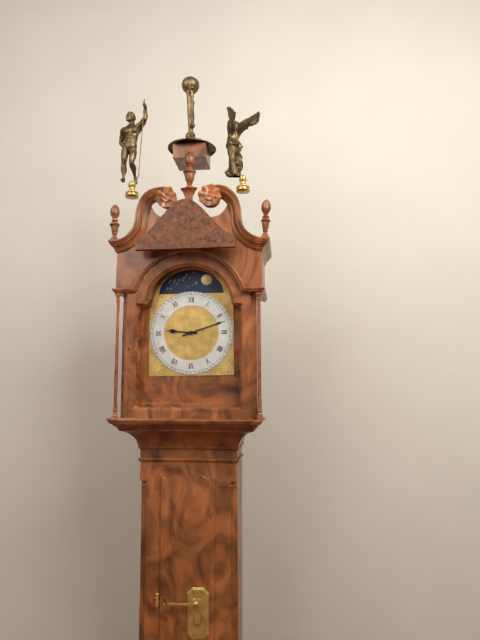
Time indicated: {"hour": 9, "minute": 12}
